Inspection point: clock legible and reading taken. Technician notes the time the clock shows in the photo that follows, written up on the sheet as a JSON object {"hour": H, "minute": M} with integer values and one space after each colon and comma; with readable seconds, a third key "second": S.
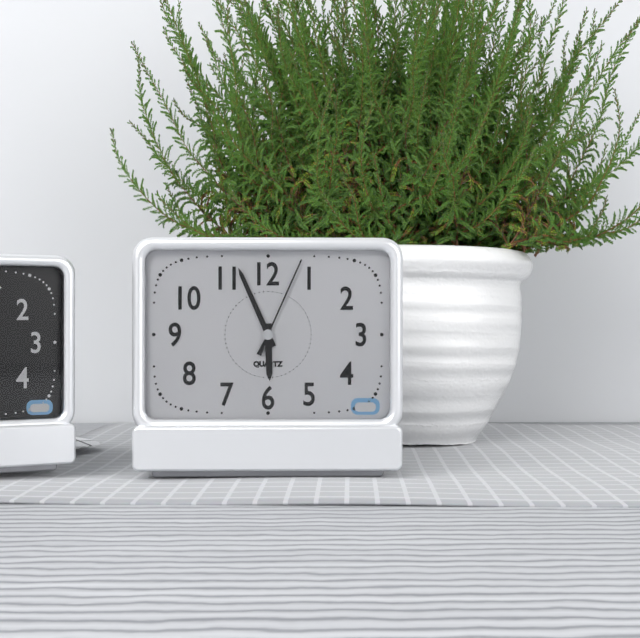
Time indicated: {"hour": 5, "minute": 56, "second": 4}
